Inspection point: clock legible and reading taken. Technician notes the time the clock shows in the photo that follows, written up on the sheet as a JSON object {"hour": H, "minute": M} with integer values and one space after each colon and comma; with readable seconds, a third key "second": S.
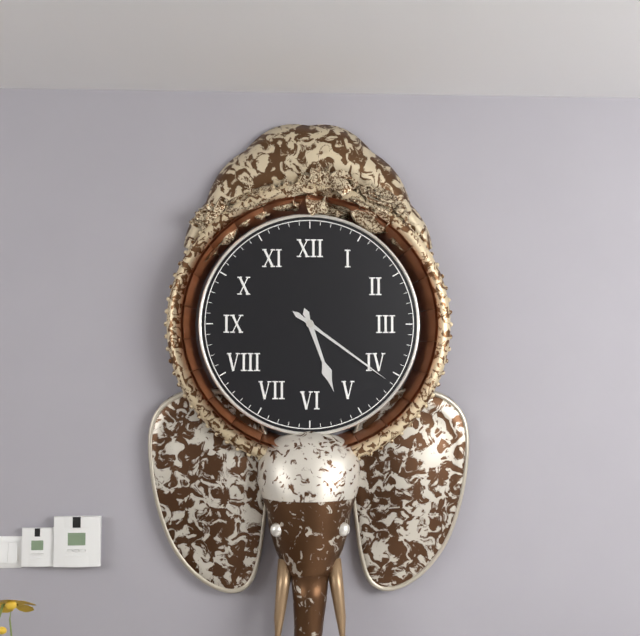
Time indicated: {"hour": 5, "minute": 21}
